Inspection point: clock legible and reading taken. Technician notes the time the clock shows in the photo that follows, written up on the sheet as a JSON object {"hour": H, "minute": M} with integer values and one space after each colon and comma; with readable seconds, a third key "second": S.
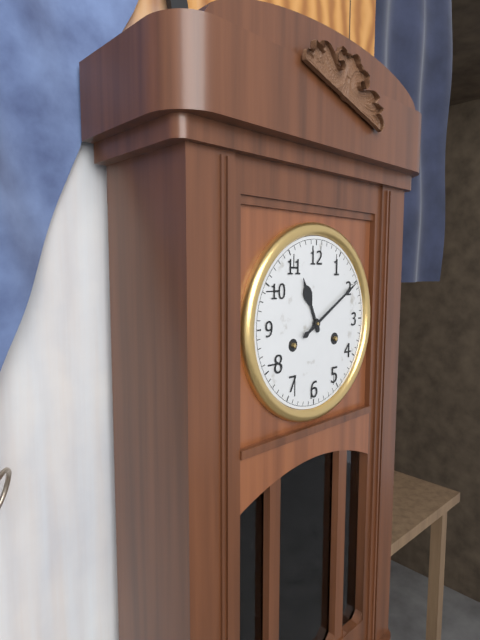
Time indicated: {"hour": 11, "minute": 10}
